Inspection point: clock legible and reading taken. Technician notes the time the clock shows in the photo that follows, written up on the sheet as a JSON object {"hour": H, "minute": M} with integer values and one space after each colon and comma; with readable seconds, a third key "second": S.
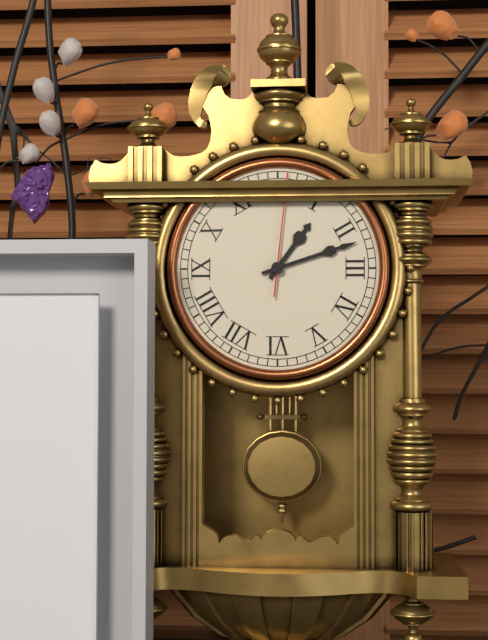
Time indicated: {"hour": 1, "minute": 12, "second": 1}
